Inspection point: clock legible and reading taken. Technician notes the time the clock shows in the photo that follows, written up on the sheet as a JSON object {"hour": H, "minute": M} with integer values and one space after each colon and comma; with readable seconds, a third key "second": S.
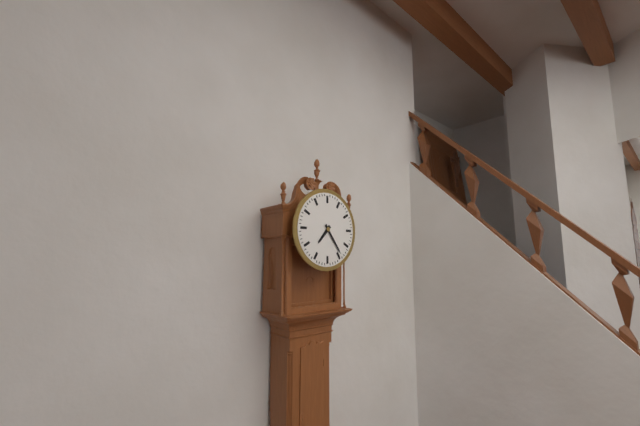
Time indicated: {"hour": 7, "minute": 24}
